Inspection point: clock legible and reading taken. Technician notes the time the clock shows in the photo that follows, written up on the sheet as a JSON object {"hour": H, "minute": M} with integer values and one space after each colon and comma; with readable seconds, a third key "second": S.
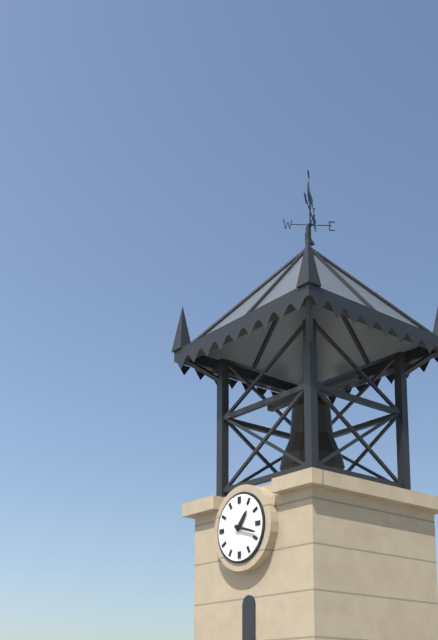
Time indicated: {"hour": 1, "minute": 18}
